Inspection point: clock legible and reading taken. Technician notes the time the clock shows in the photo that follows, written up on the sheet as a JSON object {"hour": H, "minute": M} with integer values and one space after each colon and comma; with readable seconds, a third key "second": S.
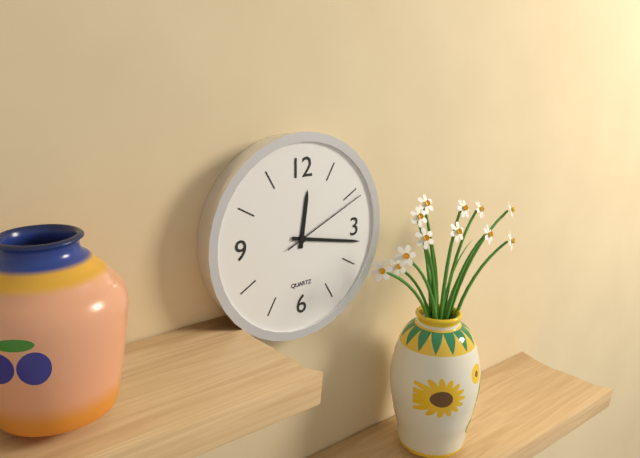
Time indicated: {"hour": 12, "minute": 17, "second": 11}
